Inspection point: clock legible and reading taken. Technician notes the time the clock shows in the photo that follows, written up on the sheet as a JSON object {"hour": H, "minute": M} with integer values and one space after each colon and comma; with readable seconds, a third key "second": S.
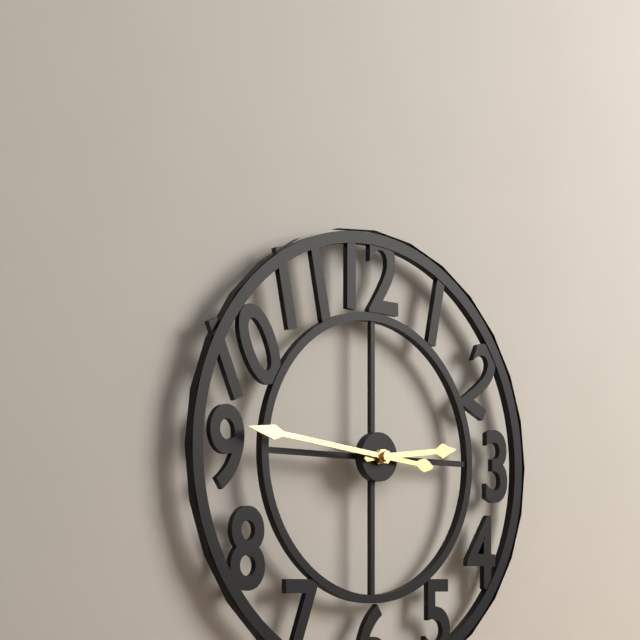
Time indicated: {"hour": 2, "minute": 46}
